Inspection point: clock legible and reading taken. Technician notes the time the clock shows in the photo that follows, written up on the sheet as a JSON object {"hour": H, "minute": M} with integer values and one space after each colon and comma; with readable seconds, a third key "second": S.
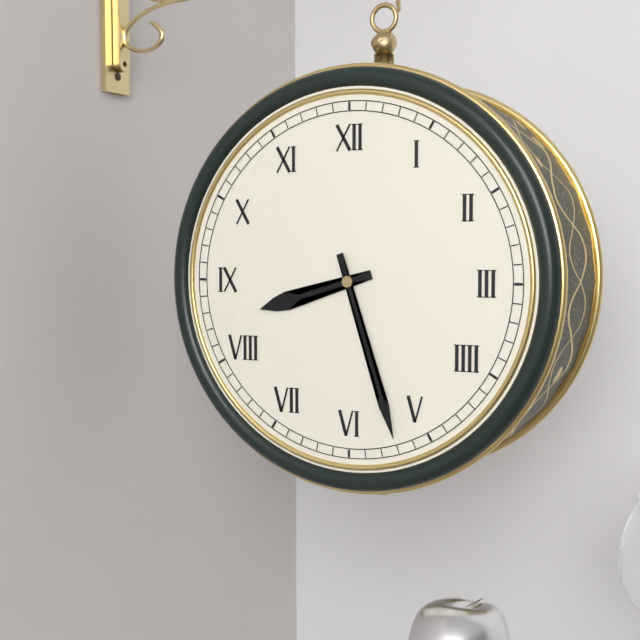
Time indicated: {"hour": 8, "minute": 27}
